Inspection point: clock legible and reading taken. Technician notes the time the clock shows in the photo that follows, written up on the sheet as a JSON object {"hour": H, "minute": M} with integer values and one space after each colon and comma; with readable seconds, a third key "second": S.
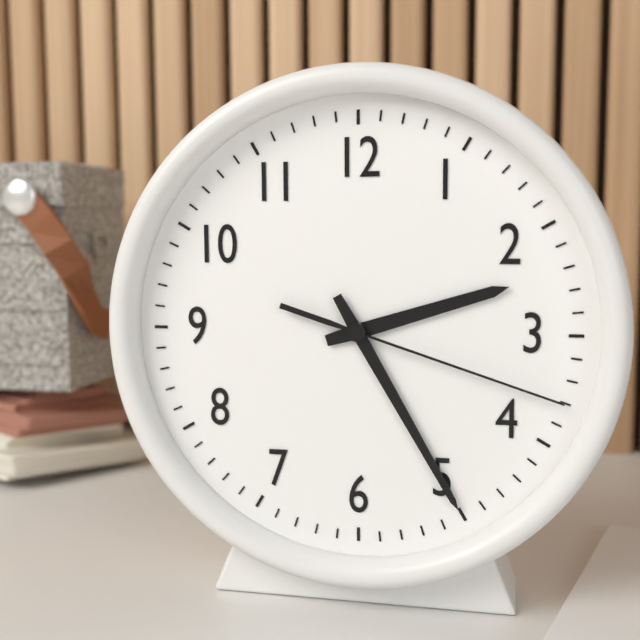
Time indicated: {"hour": 2, "minute": 25, "second": 18}
